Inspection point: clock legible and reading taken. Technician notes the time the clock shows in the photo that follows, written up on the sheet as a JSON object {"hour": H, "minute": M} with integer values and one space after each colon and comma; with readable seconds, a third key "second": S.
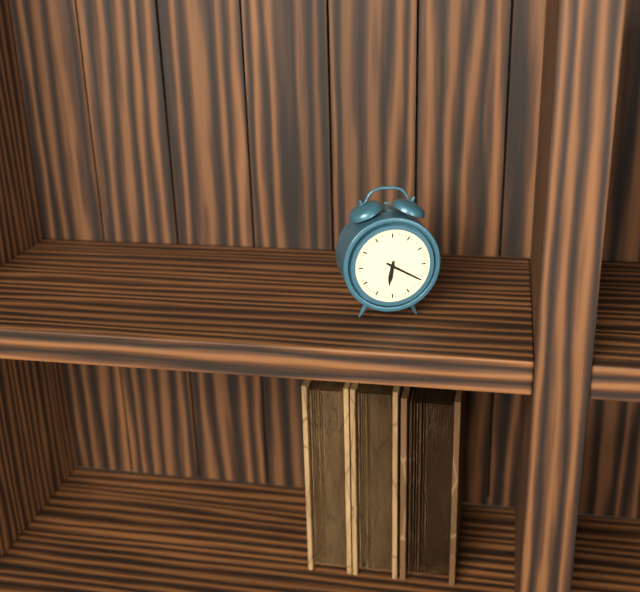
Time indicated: {"hour": 6, "minute": 20}
